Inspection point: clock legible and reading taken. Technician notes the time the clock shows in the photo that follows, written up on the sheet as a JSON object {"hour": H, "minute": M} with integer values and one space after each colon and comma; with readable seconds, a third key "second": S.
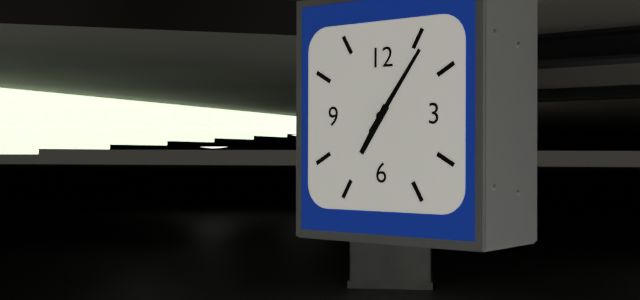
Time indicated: {"hour": 7, "minute": 6}
